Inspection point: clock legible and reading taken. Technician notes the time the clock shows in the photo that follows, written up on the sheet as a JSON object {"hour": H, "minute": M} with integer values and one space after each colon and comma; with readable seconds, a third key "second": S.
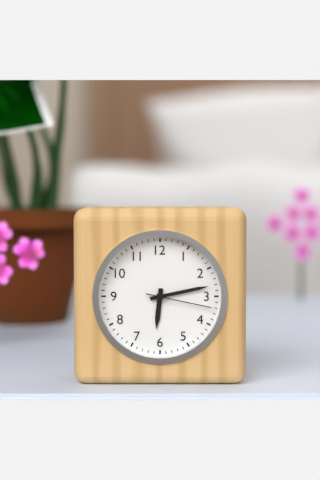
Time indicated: {"hour": 6, "minute": 13, "second": 17}
